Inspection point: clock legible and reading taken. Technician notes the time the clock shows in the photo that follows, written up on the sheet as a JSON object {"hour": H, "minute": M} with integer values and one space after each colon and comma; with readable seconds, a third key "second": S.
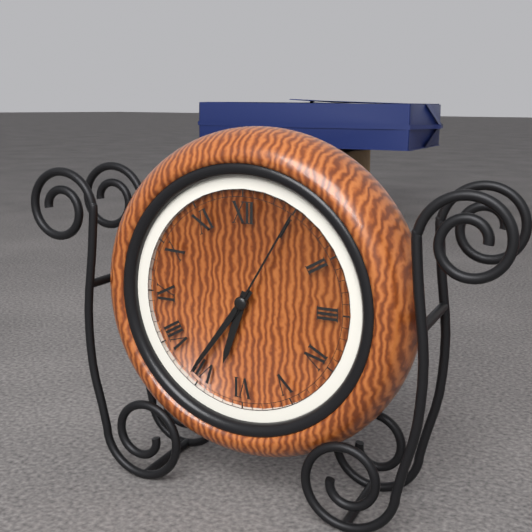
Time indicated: {"hour": 6, "minute": 36, "second": 5}
